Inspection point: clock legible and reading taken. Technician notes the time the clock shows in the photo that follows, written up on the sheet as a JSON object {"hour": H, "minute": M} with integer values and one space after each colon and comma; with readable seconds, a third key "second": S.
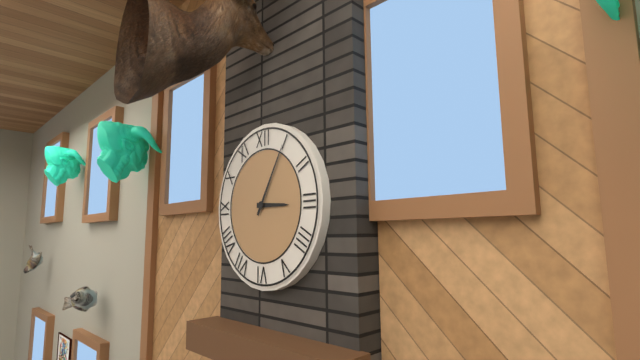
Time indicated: {"hour": 3, "minute": 5}
